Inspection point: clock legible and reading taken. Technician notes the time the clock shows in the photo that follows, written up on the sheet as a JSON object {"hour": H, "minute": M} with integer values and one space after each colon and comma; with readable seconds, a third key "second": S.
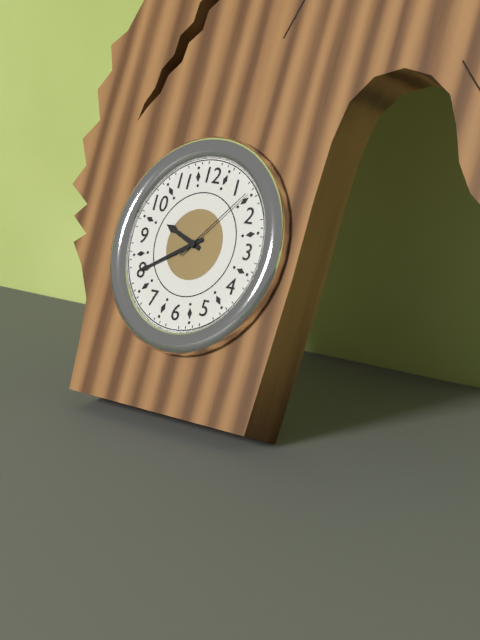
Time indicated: {"hour": 9, "minute": 40, "second": 7}
